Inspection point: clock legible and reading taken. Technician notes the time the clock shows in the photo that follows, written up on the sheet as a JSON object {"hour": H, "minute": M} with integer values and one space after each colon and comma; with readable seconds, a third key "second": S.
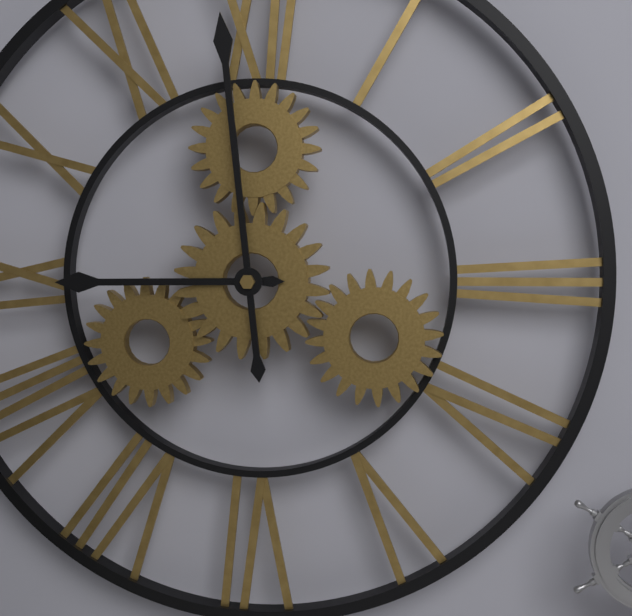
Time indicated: {"hour": 8, "minute": 59}
